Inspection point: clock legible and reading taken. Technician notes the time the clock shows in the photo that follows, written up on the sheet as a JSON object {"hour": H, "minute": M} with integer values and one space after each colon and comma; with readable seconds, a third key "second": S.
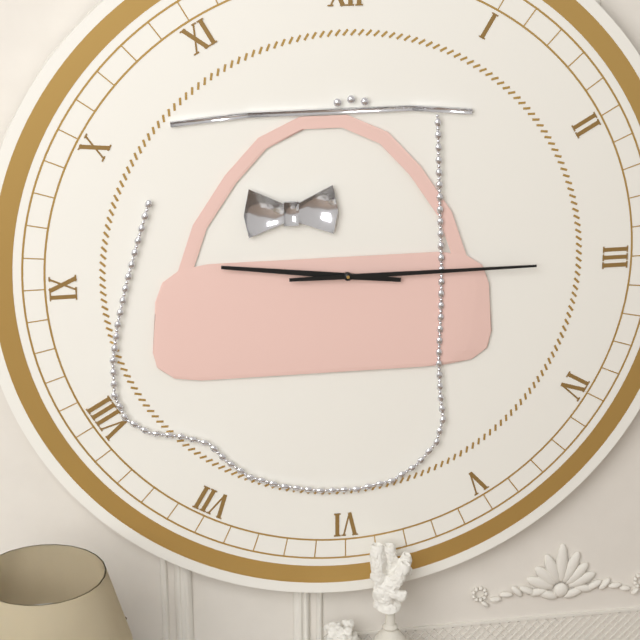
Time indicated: {"hour": 9, "minute": 15}
